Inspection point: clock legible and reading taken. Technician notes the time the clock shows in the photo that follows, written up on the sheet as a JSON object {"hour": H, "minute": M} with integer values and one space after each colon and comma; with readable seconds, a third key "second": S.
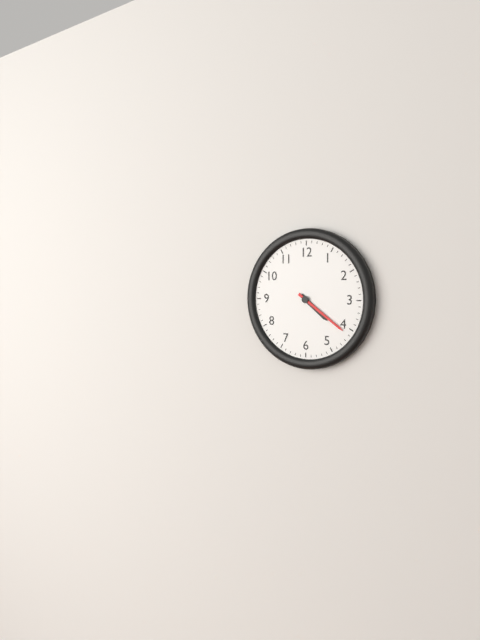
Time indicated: {"hour": 4, "minute": 21}
